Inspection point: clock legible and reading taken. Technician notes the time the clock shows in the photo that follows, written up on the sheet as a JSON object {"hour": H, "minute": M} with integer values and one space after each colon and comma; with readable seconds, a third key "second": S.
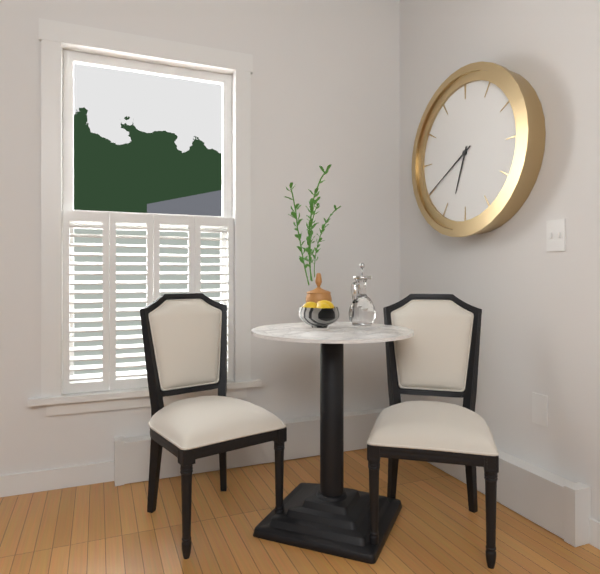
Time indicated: {"hour": 6, "minute": 40}
